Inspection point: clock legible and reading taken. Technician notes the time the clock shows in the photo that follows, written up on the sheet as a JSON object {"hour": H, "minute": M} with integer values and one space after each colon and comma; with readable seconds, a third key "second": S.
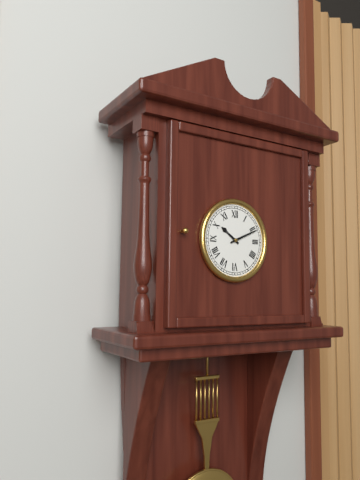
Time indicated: {"hour": 10, "minute": 11}
